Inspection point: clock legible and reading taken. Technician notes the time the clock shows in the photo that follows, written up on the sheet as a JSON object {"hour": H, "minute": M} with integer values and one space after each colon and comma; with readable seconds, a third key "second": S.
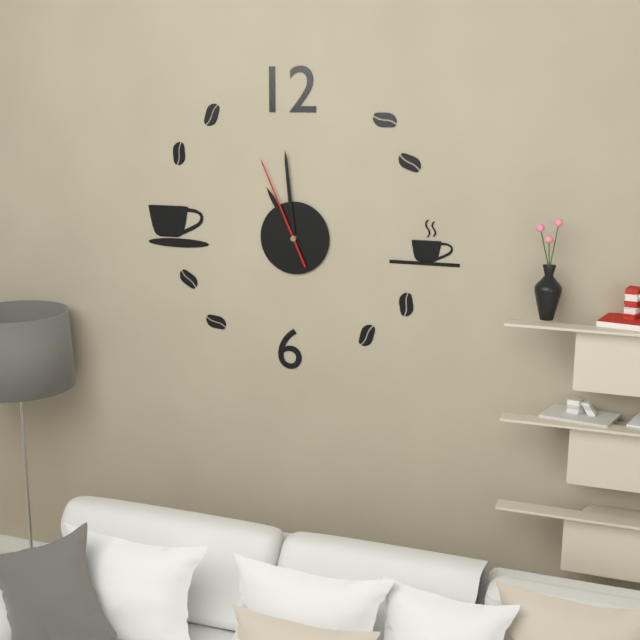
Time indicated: {"hour": 10, "minute": 59, "second": 56}
